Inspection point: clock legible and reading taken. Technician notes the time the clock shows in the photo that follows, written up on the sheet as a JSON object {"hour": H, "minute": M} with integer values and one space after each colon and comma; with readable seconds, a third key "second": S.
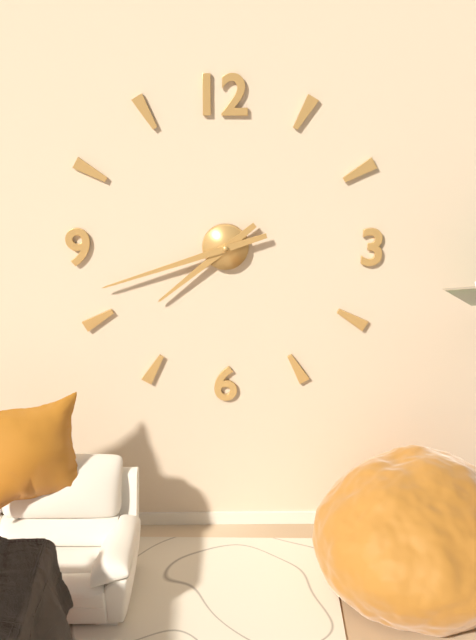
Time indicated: {"hour": 7, "minute": 42}
